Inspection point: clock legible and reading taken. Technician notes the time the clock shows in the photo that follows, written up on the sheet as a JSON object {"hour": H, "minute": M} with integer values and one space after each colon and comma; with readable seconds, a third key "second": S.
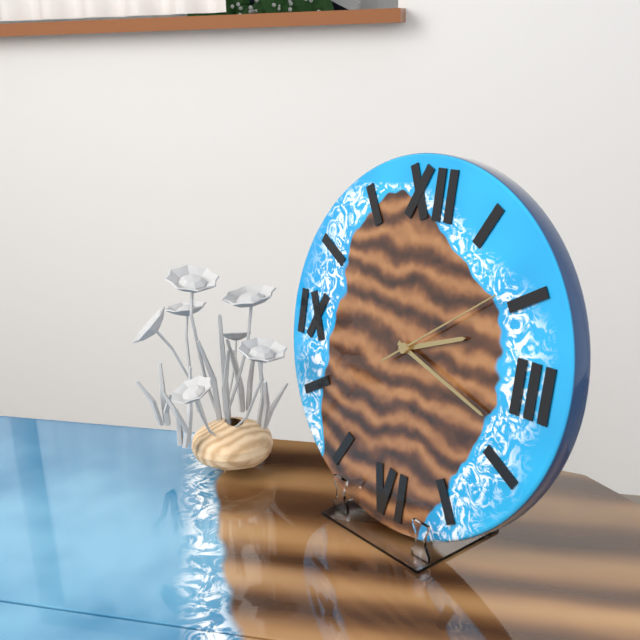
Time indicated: {"hour": 2, "minute": 18, "second": 9}
